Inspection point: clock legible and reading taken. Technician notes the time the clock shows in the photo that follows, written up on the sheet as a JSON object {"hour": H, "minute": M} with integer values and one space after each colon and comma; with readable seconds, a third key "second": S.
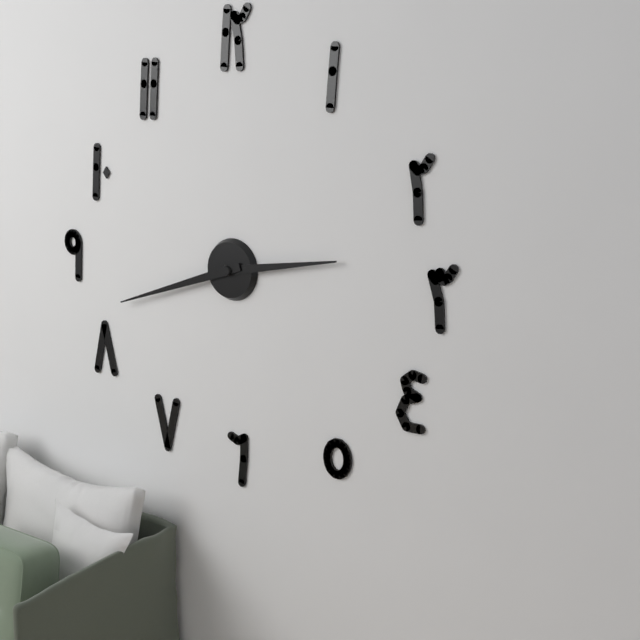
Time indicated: {"hour": 2, "minute": 42}
